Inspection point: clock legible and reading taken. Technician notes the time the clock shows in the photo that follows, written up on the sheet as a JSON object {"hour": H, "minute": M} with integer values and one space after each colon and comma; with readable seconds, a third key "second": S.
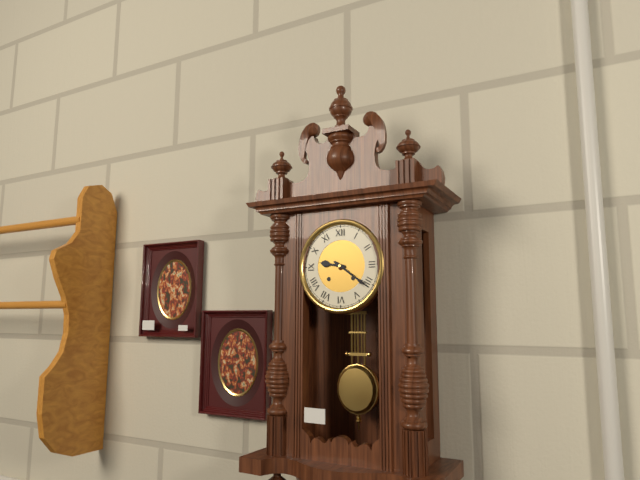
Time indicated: {"hour": 9, "minute": 21}
